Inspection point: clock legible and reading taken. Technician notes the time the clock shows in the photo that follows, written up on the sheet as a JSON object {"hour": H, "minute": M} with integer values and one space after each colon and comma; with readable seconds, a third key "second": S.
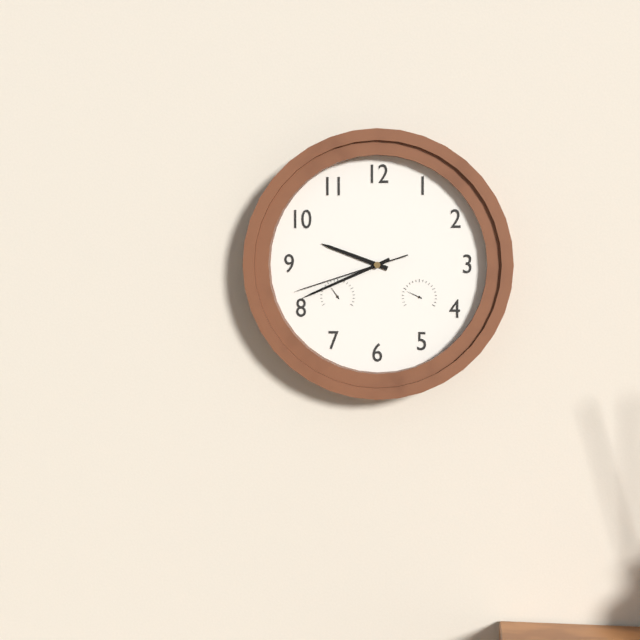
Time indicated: {"hour": 9, "minute": 41, "second": 42}
